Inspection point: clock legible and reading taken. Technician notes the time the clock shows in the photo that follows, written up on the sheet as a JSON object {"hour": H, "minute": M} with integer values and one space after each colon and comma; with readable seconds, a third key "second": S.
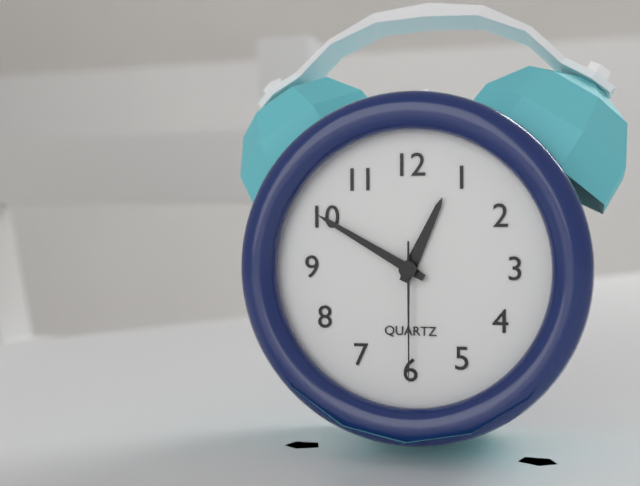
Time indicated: {"hour": 12, "minute": 50, "second": 30}
